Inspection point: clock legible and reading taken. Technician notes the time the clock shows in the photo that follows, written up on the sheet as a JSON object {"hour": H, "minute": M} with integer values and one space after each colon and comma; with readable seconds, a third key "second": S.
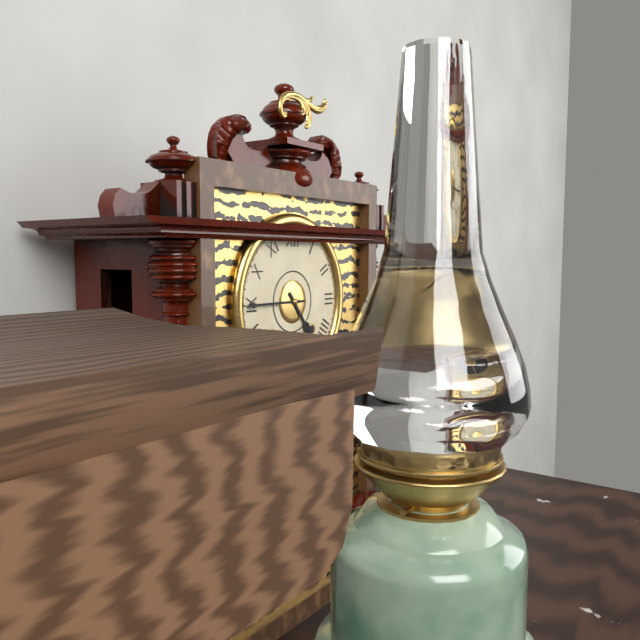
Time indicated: {"hour": 4, "minute": 45}
